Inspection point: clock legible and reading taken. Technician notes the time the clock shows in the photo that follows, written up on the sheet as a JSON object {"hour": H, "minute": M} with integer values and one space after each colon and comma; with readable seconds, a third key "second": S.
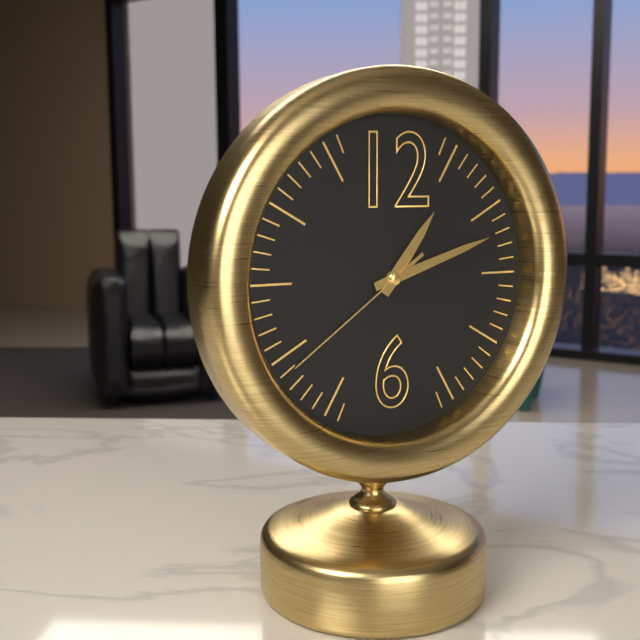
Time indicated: {"hour": 1, "minute": 12, "second": 39}
